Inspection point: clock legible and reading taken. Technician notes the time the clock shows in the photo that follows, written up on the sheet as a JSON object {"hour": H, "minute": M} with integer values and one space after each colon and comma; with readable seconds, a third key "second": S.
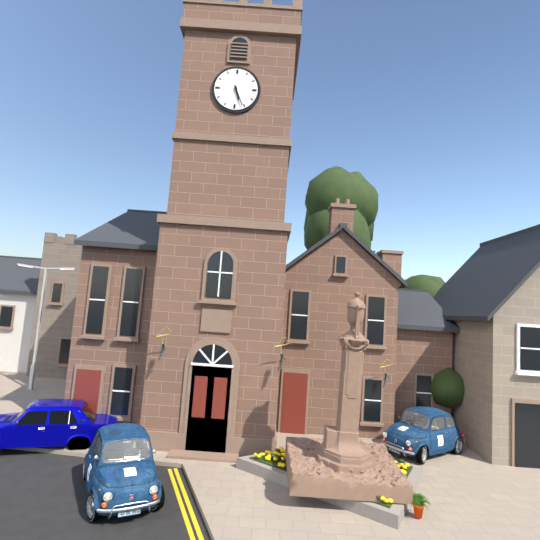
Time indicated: {"hour": 5, "minute": 26}
